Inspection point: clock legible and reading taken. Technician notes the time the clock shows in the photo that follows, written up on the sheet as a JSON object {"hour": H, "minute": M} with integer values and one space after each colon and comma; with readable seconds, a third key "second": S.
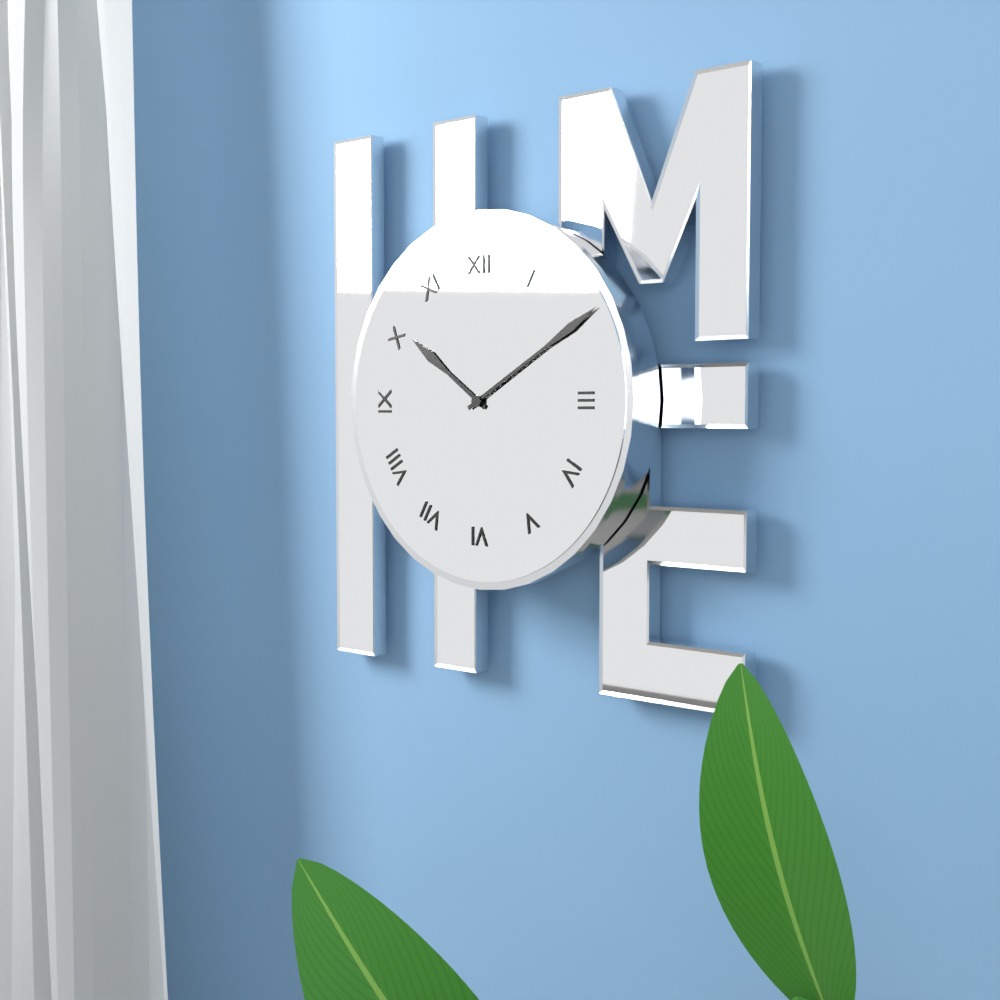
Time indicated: {"hour": 10, "minute": 10}
